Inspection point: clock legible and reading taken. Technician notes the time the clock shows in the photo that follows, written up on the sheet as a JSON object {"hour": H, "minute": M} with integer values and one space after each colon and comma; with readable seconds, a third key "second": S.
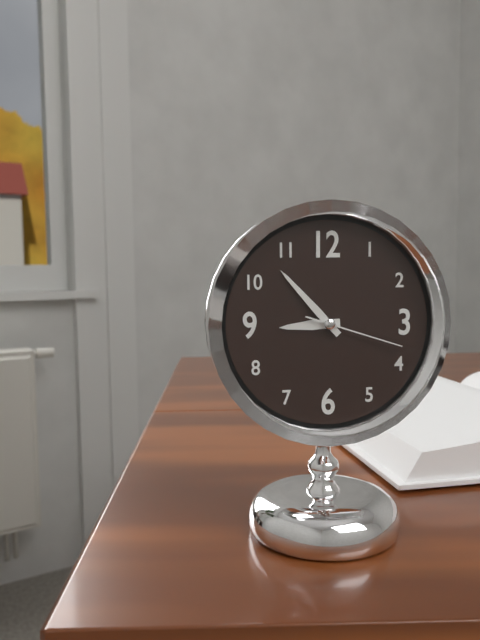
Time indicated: {"hour": 8, "minute": 53, "second": 18}
